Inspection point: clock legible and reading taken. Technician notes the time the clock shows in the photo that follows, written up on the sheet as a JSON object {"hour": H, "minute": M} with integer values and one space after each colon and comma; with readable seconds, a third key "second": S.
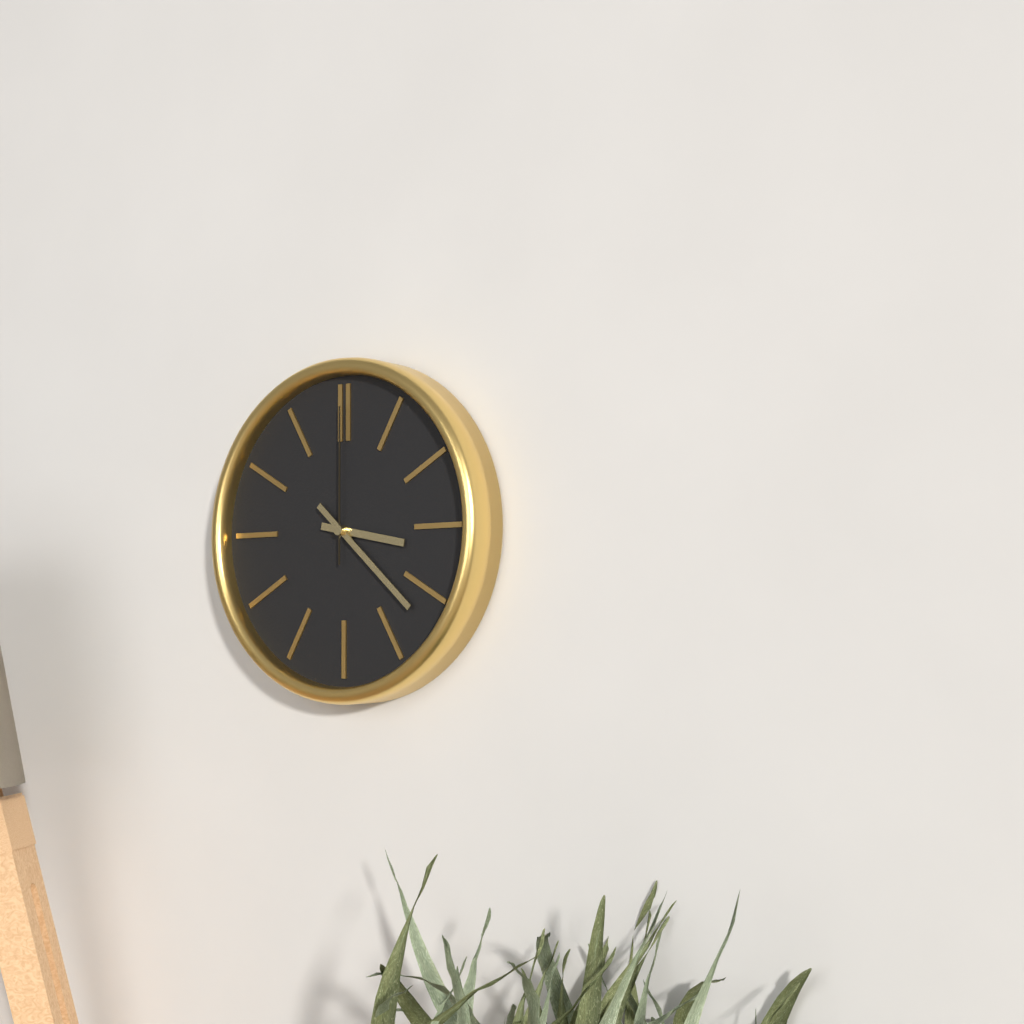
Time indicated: {"hour": 3, "minute": 22, "second": 0}
